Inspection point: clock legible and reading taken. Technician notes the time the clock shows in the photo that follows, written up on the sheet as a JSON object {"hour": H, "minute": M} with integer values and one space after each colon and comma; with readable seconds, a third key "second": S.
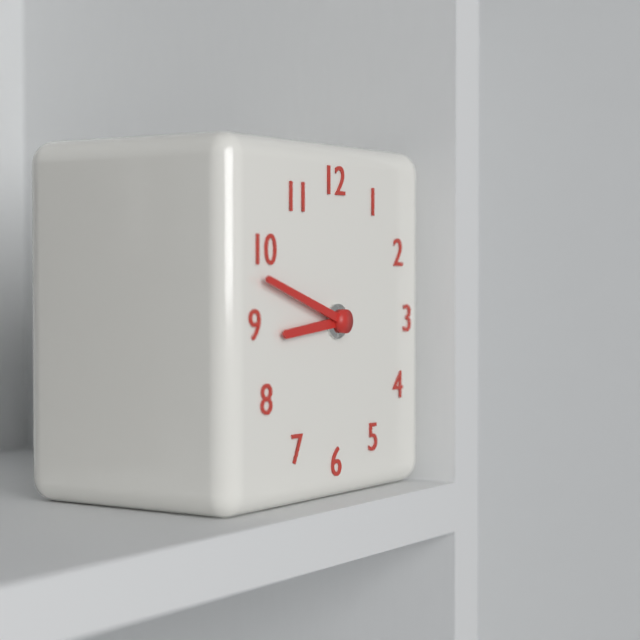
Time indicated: {"hour": 8, "minute": 48}
